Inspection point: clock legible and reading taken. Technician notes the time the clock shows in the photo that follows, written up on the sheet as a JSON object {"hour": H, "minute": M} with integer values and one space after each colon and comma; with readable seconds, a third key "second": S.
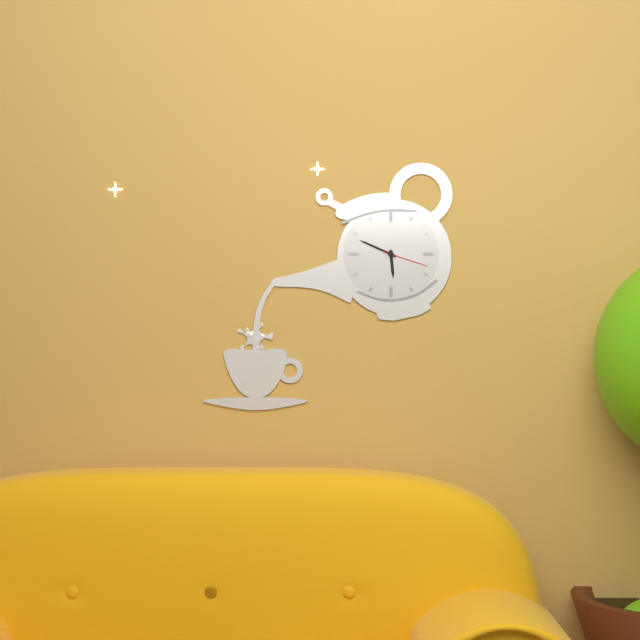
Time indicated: {"hour": 5, "minute": 49}
